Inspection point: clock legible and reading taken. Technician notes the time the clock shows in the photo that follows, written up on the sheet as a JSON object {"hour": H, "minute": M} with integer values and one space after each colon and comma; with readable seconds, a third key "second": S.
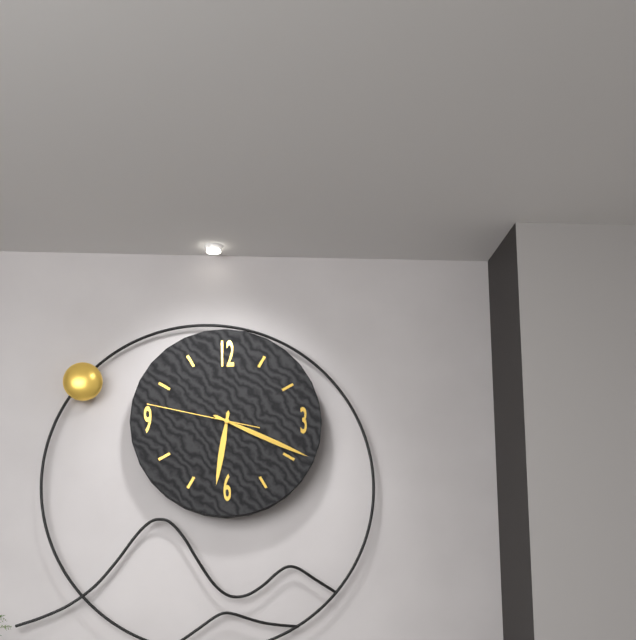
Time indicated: {"hour": 6, "minute": 19, "second": 47}
